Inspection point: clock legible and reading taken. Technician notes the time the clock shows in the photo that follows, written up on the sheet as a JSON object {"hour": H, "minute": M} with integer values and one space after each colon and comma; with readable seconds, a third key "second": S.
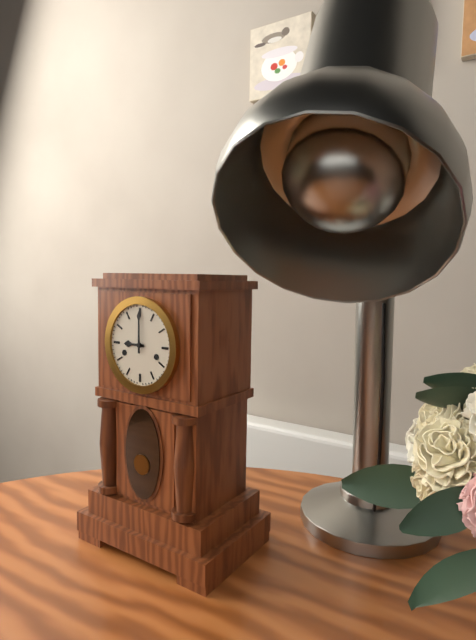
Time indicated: {"hour": 9, "minute": 0}
